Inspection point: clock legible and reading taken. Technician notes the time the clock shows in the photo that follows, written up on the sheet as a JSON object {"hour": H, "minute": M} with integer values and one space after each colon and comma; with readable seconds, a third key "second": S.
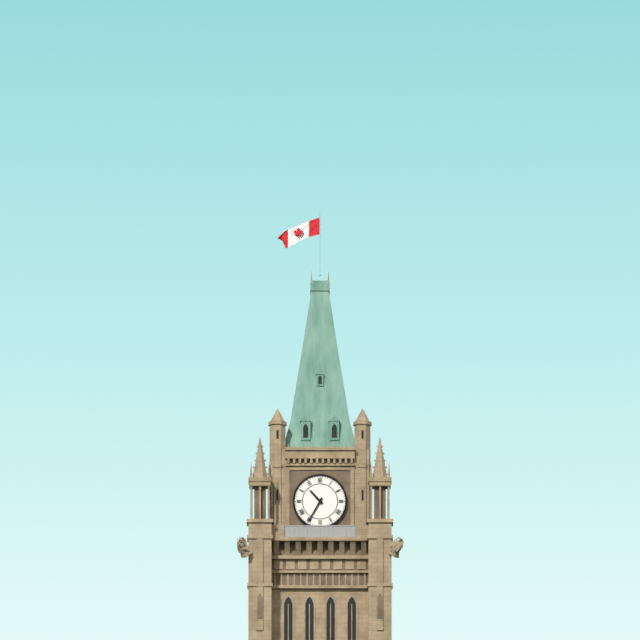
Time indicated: {"hour": 10, "minute": 35}
